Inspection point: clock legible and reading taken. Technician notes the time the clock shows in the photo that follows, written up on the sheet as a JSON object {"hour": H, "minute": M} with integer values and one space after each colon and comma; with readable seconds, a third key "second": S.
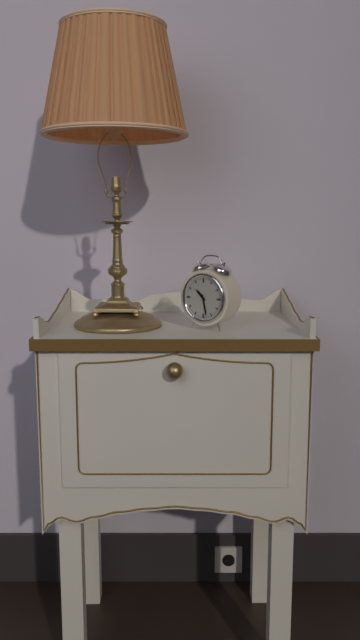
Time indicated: {"hour": 10, "minute": 28}
